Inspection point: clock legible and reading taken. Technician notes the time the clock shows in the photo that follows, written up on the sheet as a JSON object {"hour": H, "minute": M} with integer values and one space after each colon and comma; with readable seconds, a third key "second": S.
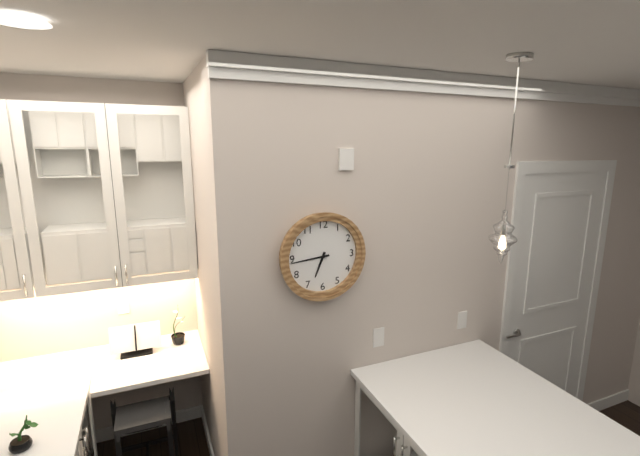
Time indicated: {"hour": 6, "minute": 44}
